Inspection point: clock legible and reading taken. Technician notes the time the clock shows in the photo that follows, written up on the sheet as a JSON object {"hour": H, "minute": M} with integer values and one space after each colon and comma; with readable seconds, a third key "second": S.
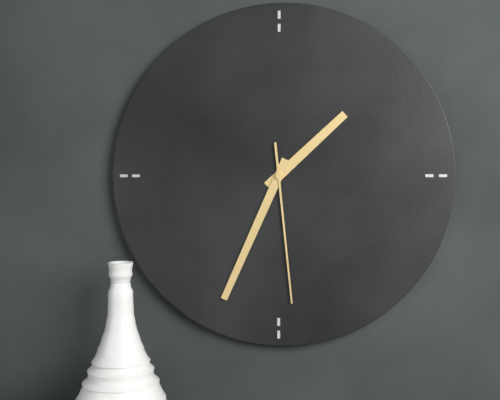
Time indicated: {"hour": 1, "minute": 34, "second": 29}
